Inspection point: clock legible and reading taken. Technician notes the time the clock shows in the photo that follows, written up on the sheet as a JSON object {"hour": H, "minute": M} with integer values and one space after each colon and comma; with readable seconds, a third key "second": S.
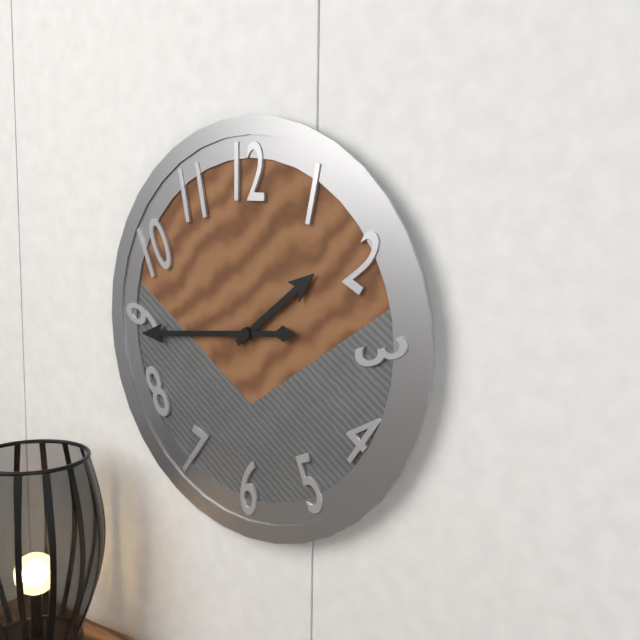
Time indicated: {"hour": 1, "minute": 44}
